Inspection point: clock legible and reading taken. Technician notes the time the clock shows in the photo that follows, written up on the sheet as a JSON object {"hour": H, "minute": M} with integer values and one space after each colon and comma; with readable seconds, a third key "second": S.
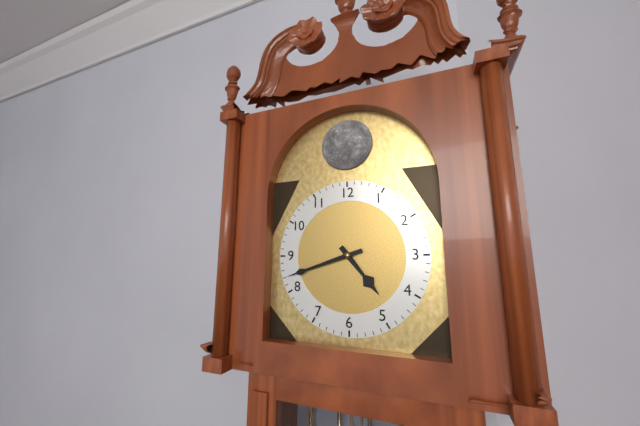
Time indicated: {"hour": 4, "minute": 42}
